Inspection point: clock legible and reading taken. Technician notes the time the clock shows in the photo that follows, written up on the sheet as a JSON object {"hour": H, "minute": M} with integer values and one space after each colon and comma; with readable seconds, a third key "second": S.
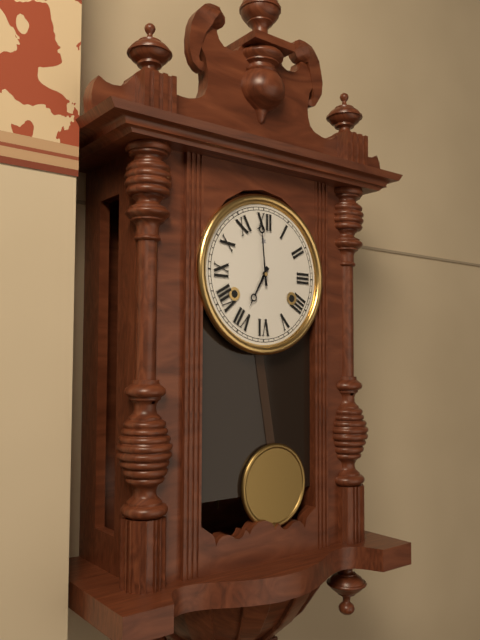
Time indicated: {"hour": 6, "minute": 59}
